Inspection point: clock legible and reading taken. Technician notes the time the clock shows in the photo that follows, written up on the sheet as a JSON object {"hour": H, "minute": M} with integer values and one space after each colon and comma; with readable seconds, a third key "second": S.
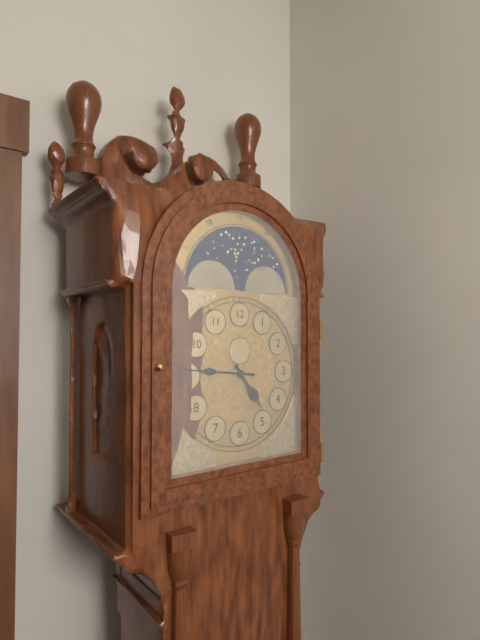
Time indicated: {"hour": 4, "minute": 46}
